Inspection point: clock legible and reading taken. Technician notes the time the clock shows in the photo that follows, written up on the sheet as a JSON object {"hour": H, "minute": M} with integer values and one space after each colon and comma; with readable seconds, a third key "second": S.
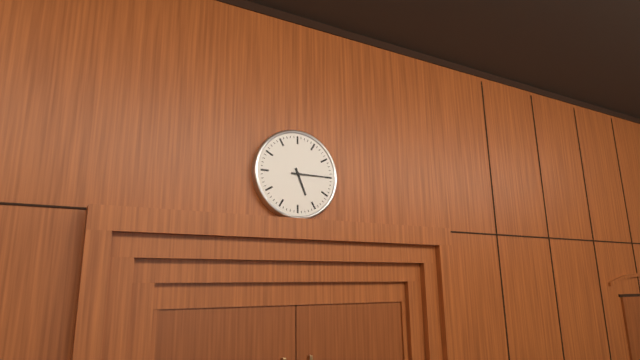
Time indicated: {"hour": 5, "minute": 15}
